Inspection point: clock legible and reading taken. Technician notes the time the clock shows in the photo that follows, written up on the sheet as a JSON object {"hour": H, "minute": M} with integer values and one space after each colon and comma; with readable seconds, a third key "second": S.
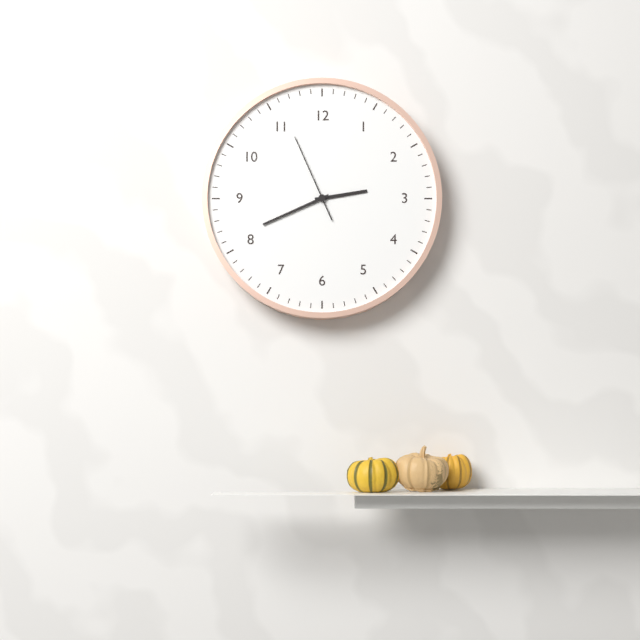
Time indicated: {"hour": 2, "minute": 41, "second": 56}
